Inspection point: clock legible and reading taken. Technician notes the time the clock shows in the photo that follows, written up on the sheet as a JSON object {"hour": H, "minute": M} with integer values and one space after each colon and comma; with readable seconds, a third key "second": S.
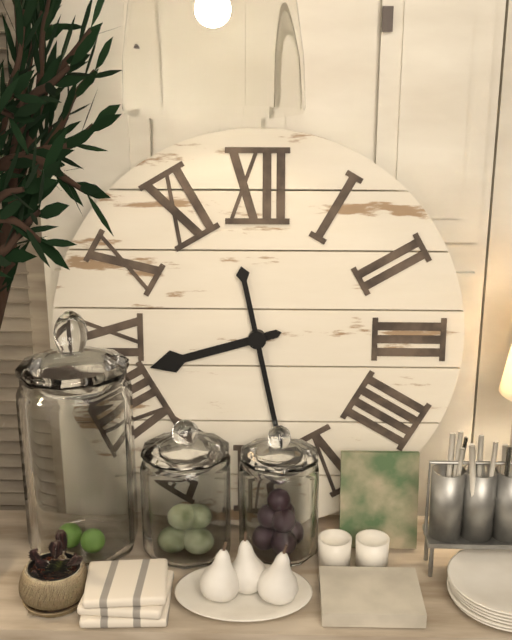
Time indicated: {"hour": 8, "minute": 28}
